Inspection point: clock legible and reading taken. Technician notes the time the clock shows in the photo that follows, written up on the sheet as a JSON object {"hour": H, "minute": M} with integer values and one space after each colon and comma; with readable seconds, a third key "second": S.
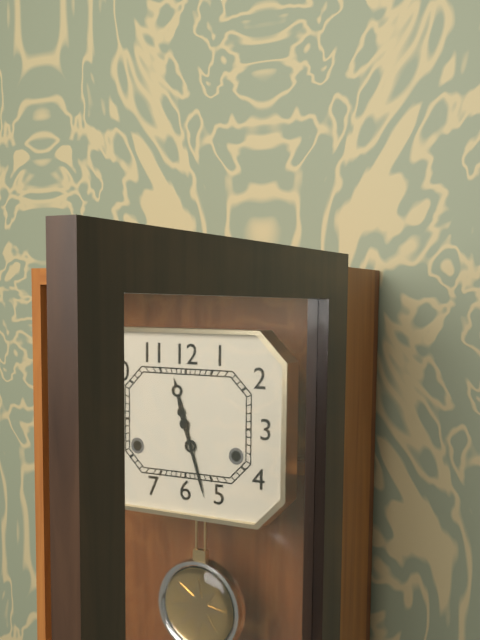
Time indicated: {"hour": 11, "minute": 27}
